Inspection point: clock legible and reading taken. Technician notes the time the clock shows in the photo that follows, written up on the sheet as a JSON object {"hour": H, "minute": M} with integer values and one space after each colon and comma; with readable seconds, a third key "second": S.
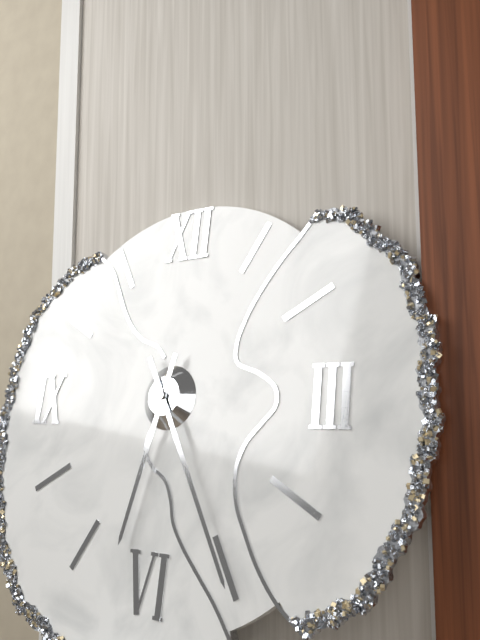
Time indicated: {"hour": 6, "minute": 25}
